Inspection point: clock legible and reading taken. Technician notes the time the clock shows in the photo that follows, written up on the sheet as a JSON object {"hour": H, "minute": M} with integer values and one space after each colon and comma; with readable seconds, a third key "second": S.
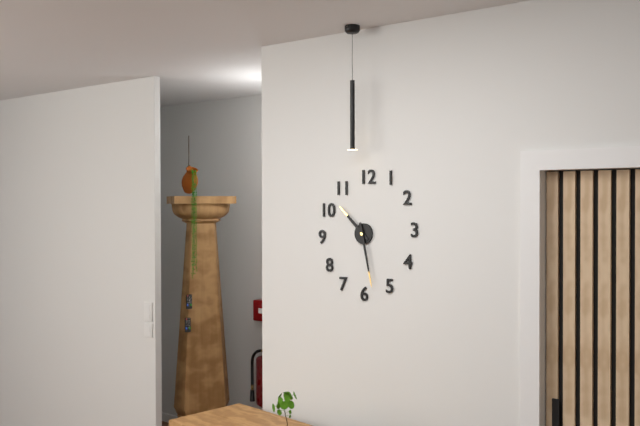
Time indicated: {"hour": 10, "minute": 28}
